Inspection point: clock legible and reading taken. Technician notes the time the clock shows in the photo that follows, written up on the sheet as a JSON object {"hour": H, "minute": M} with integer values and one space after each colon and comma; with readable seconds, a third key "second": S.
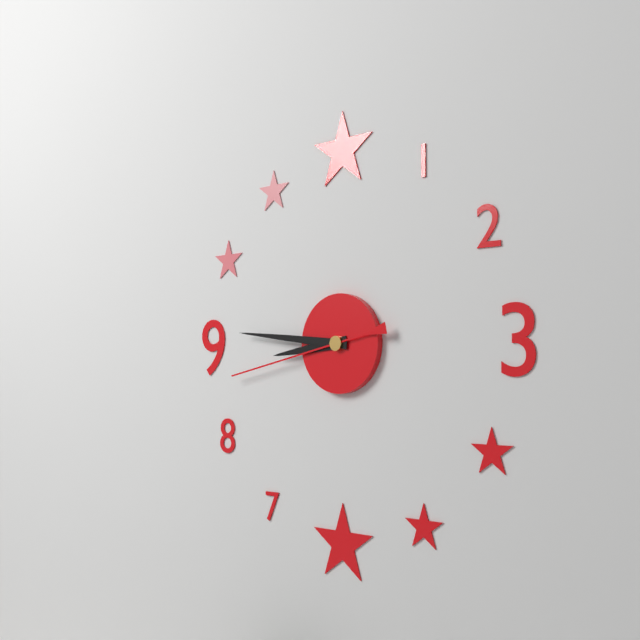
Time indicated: {"hour": 8, "minute": 46, "second": 43}
